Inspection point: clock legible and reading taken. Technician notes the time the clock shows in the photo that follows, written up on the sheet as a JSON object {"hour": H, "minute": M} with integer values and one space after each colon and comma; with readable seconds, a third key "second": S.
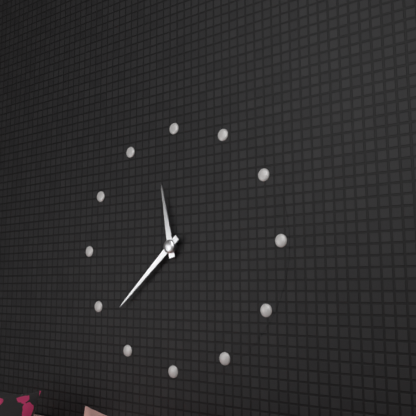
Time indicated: {"hour": 11, "minute": 38}
